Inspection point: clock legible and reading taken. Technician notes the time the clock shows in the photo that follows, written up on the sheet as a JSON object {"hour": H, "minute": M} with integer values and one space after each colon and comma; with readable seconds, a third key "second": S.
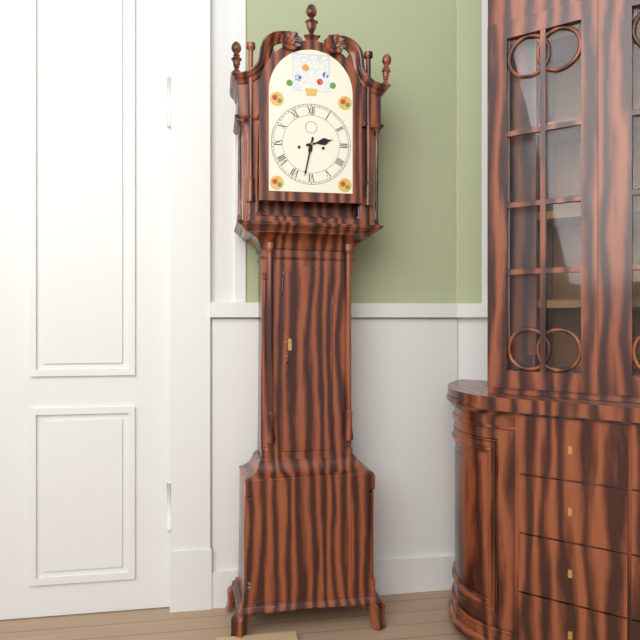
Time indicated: {"hour": 2, "minute": 32}
